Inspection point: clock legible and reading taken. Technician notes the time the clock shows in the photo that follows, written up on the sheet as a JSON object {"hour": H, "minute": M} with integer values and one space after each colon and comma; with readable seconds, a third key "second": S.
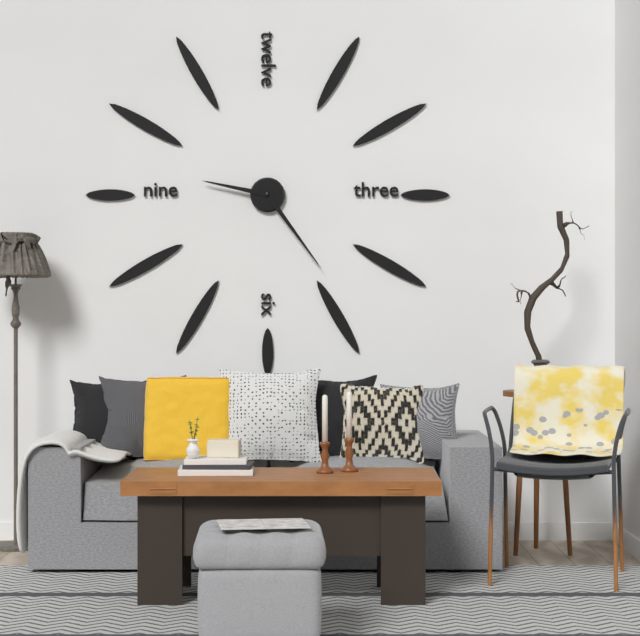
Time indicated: {"hour": 9, "minute": 24}
